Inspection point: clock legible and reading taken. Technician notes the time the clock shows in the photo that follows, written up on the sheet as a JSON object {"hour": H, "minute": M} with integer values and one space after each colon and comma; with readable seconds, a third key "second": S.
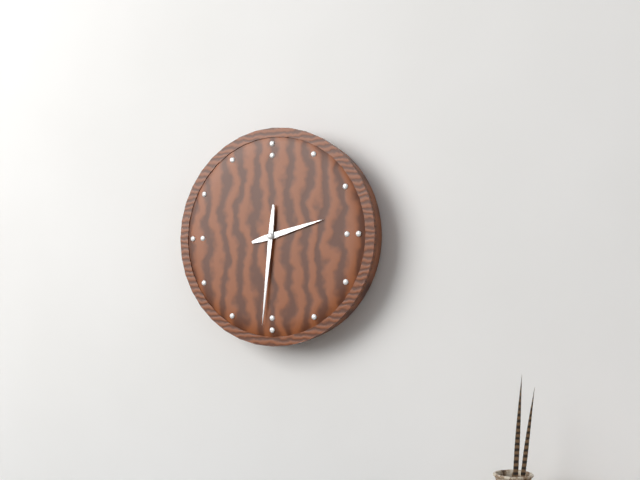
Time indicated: {"hour": 2, "minute": 31}
